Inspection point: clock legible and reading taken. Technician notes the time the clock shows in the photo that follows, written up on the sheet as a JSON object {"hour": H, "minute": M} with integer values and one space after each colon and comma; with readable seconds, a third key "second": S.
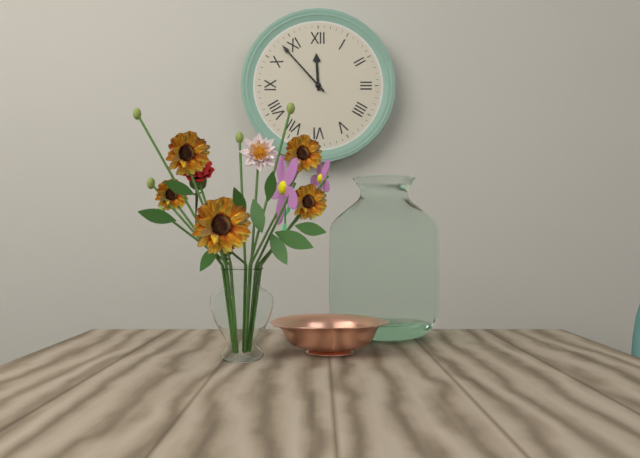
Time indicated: {"hour": 11, "minute": 53}
